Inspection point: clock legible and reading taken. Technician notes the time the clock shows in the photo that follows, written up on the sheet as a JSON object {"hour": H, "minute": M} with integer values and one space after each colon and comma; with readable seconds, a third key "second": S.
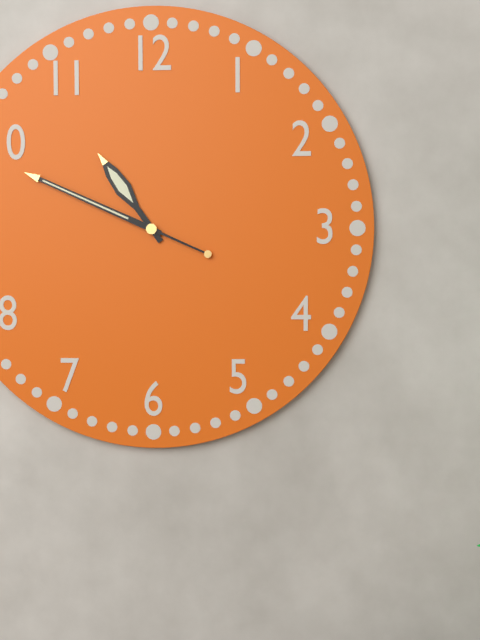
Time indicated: {"hour": 10, "minute": 49}
